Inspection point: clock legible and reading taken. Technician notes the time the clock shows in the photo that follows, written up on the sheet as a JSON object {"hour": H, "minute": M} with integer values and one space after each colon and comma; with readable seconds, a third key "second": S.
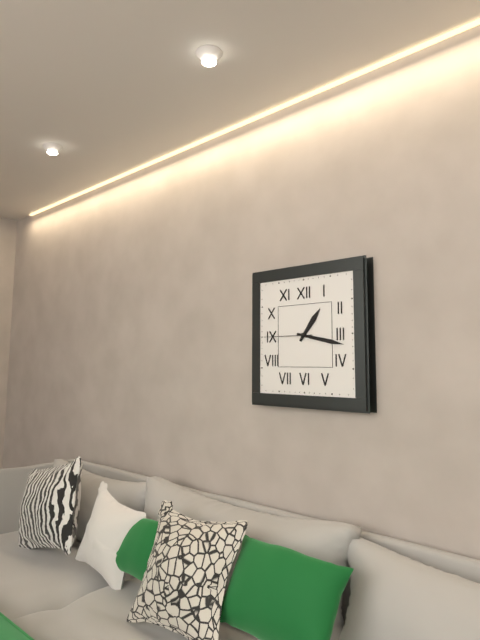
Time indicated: {"hour": 1, "minute": 17}
